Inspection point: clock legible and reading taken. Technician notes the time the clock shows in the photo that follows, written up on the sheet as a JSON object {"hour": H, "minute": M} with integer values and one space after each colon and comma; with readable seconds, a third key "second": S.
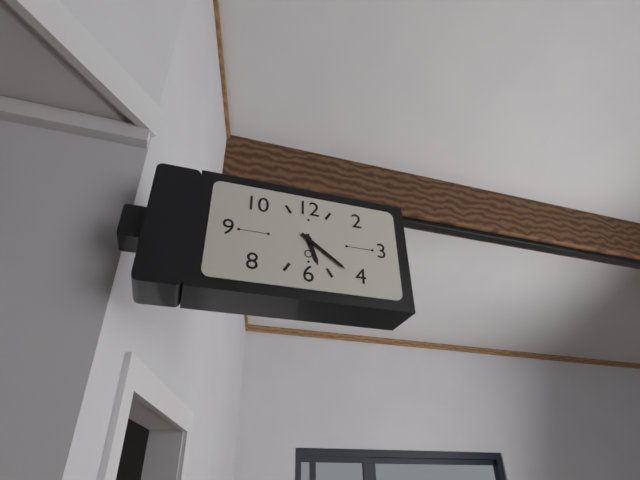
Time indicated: {"hour": 5, "minute": 21}
